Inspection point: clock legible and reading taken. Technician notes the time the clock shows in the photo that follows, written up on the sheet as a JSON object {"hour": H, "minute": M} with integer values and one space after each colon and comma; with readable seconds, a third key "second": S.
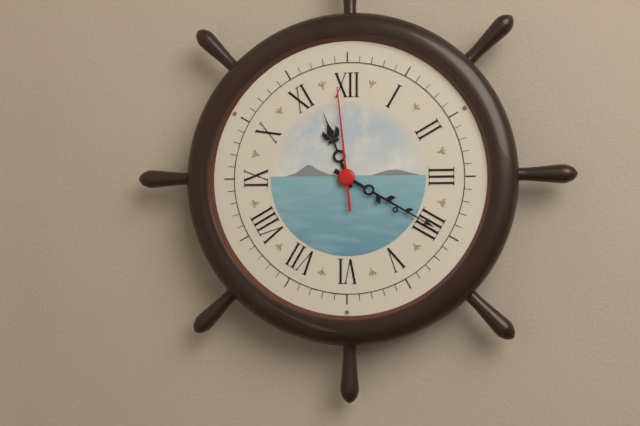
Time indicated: {"hour": 11, "minute": 20, "second": 59}
